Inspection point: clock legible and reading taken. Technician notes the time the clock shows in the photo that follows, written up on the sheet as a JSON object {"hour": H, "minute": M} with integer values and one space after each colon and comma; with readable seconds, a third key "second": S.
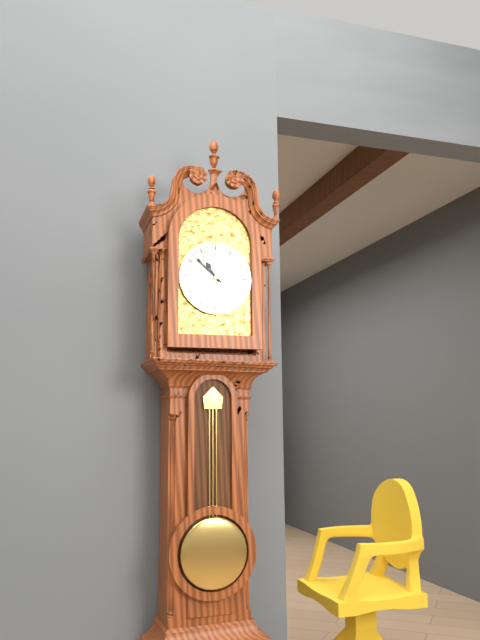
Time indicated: {"hour": 10, "minute": 52}
